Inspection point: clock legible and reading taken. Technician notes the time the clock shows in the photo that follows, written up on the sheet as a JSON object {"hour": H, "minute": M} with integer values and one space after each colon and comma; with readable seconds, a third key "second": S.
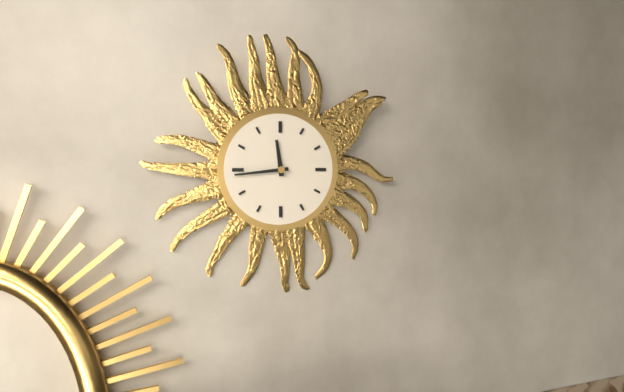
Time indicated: {"hour": 11, "minute": 44}
